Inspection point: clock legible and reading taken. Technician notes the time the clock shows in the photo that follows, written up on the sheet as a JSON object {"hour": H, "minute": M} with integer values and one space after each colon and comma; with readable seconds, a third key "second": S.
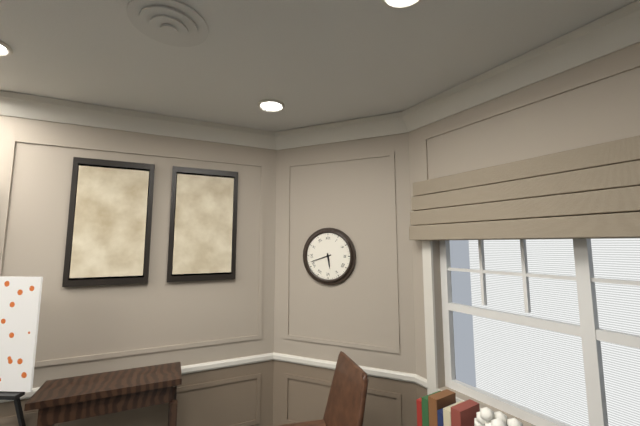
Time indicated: {"hour": 5, "minute": 42}
